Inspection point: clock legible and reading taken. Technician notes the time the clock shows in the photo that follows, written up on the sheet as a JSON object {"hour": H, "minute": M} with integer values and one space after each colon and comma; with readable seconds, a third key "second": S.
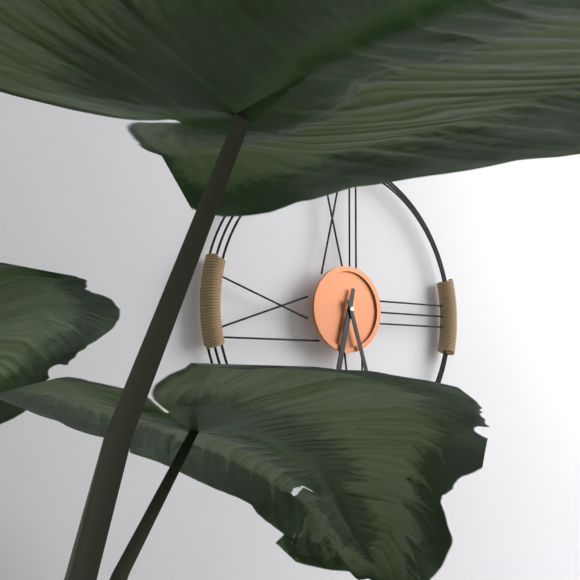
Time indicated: {"hour": 6, "minute": 27}
